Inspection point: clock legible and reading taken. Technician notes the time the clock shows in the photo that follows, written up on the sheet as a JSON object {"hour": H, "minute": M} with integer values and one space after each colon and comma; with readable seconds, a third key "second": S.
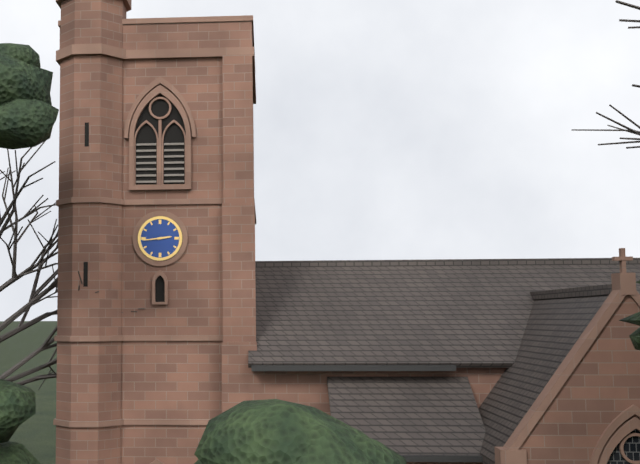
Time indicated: {"hour": 2, "minute": 44}
